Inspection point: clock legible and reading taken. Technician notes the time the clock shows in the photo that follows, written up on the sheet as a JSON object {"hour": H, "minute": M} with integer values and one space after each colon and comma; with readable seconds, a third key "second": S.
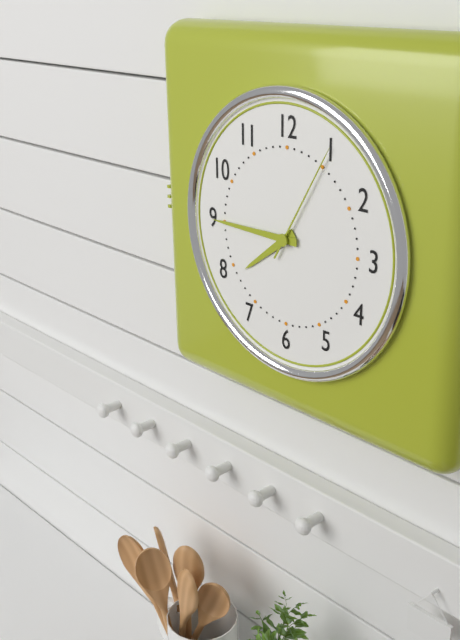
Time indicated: {"hour": 7, "minute": 45, "second": 5}
